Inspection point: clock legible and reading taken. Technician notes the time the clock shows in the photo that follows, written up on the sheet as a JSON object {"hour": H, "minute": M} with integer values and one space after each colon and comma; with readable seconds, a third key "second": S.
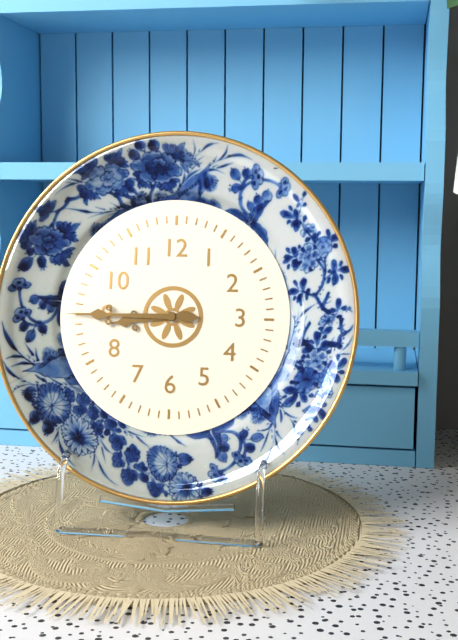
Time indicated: {"hour": 8, "minute": 45}
